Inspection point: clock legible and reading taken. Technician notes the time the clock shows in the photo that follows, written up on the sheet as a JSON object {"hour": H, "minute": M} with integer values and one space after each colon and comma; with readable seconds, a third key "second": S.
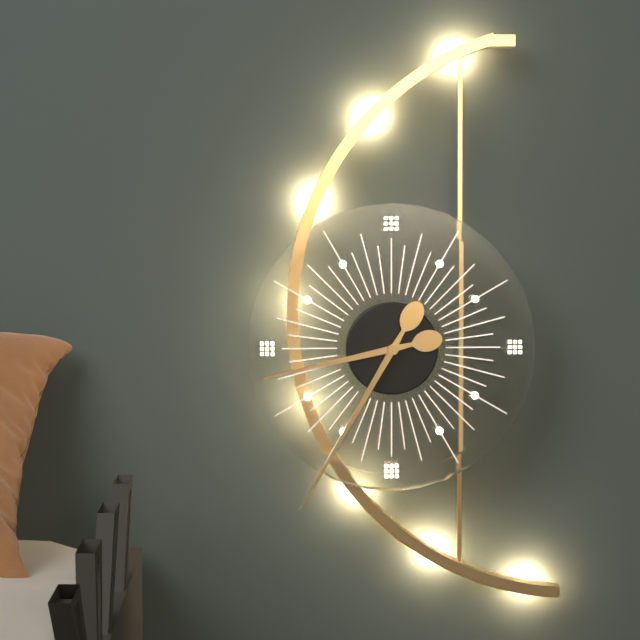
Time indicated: {"hour": 8, "minute": 35}
